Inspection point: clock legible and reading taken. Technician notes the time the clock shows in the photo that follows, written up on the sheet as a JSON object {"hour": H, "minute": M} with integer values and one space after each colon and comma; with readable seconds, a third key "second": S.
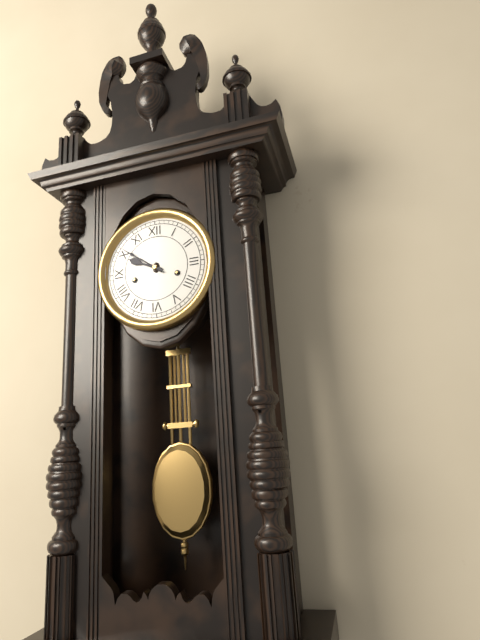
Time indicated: {"hour": 9, "minute": 51}
